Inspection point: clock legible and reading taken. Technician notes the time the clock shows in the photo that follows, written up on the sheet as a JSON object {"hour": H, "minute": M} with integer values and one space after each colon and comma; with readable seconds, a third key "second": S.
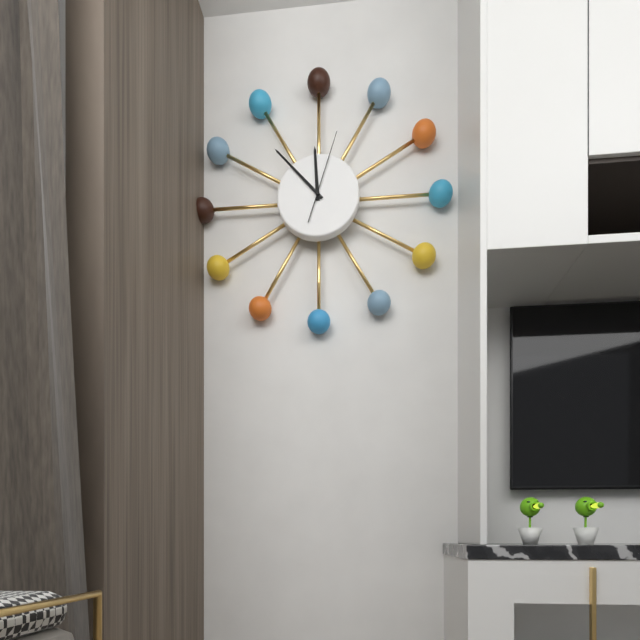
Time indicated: {"hour": 11, "minute": 53, "second": 3}
